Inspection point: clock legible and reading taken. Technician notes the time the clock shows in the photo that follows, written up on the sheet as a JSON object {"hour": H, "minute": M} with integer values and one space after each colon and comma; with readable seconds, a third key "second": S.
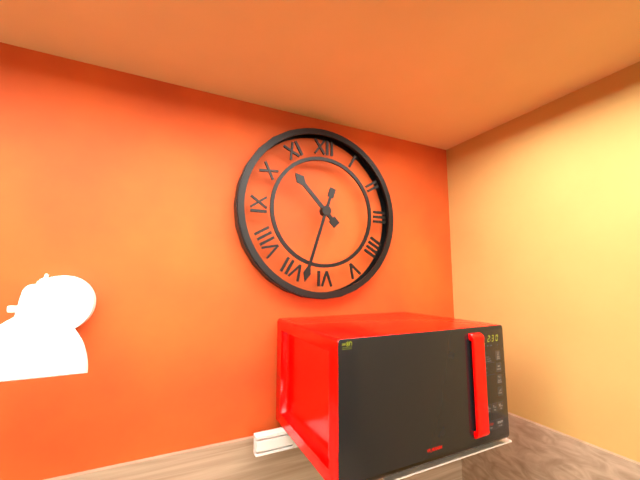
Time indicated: {"hour": 10, "minute": 33}
